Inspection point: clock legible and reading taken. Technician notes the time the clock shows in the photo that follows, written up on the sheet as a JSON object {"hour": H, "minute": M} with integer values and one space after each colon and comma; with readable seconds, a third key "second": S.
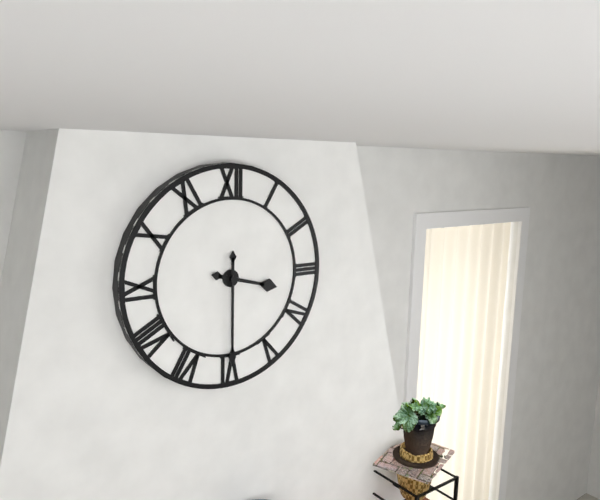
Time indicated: {"hour": 3, "minute": 30}
